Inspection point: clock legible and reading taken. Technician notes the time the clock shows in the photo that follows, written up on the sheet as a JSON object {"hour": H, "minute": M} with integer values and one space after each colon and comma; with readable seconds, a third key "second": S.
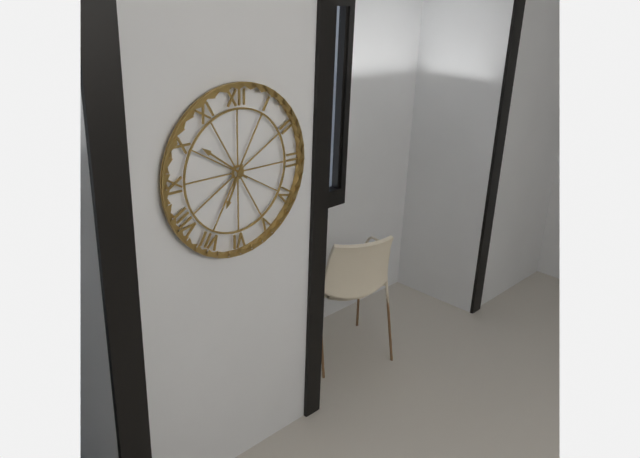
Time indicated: {"hour": 6, "minute": 51}
